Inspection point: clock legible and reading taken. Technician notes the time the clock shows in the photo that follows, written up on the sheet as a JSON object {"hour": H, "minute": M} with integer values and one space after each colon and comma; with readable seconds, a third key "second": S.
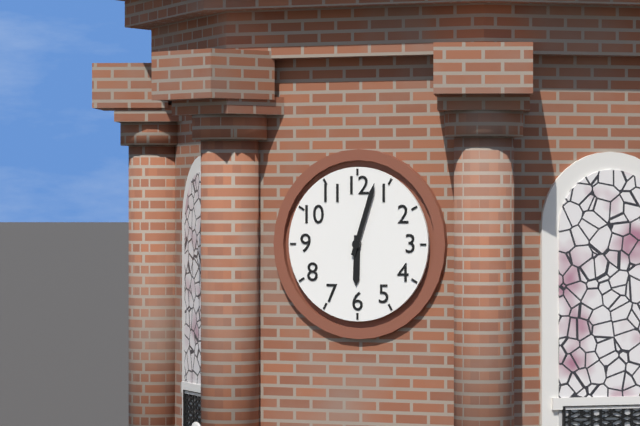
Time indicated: {"hour": 6, "minute": 3}
